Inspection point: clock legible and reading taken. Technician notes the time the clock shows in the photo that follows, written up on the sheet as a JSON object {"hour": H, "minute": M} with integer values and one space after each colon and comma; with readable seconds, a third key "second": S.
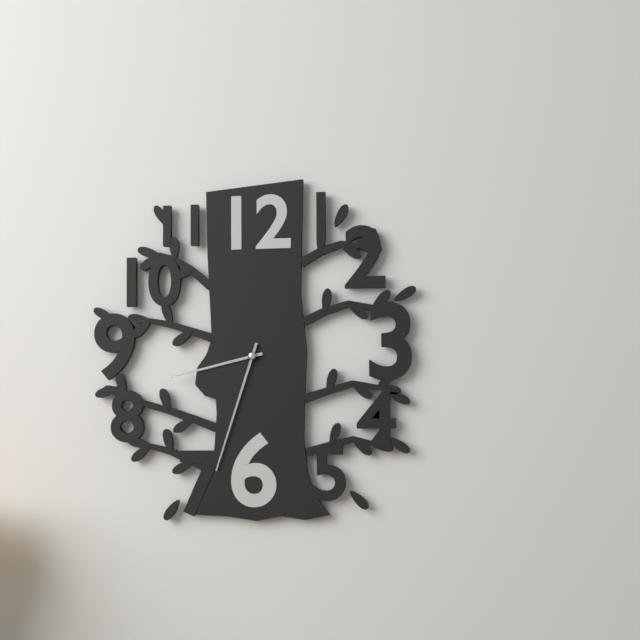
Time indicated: {"hour": 8, "minute": 33}
